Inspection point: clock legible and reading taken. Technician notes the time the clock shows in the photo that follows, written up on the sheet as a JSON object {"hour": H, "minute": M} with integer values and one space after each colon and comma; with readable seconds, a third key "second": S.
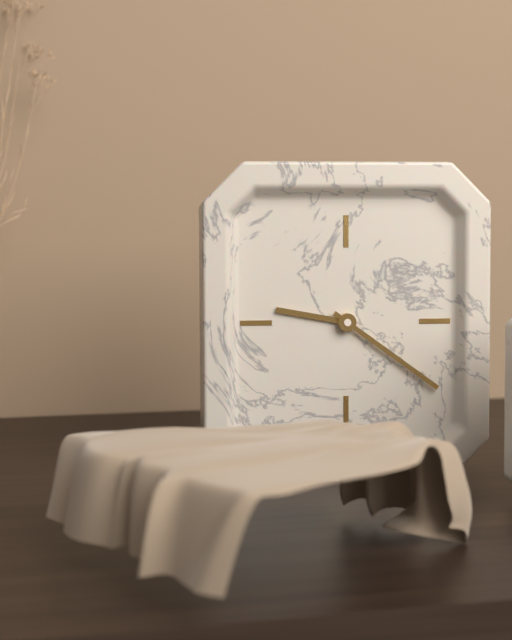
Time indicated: {"hour": 9, "minute": 21}
